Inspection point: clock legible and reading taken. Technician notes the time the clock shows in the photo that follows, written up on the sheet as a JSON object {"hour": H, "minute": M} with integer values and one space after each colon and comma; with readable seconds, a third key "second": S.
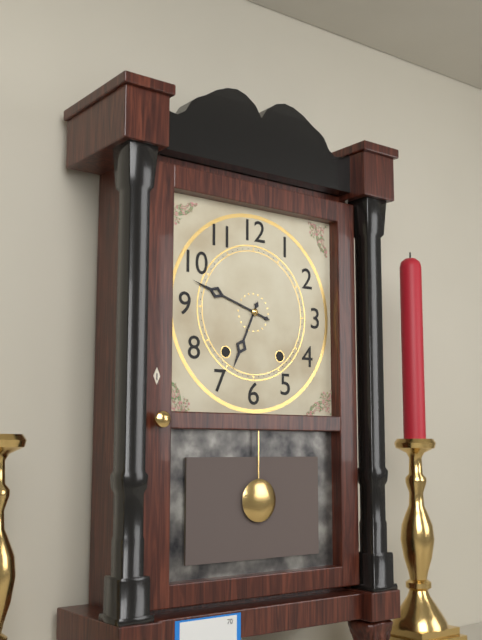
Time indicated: {"hour": 6, "minute": 48}
